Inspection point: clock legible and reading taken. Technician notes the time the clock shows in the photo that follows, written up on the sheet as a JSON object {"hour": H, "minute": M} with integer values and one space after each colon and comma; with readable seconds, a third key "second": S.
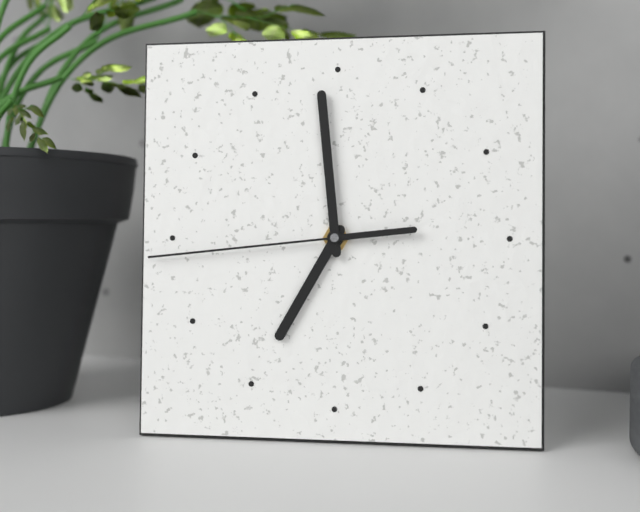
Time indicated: {"hour": 6, "minute": 59, "second": 44}
